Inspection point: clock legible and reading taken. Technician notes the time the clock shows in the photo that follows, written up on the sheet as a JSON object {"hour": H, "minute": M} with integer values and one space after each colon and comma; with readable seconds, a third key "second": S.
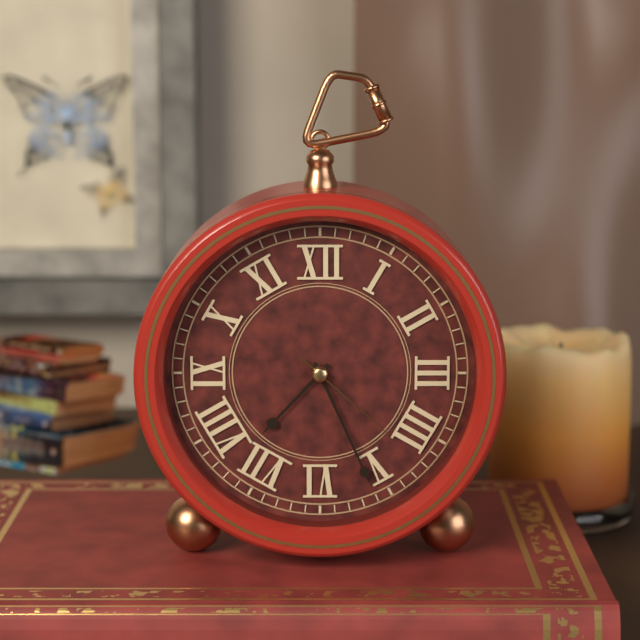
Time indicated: {"hour": 7, "minute": 26, "second": 22}
